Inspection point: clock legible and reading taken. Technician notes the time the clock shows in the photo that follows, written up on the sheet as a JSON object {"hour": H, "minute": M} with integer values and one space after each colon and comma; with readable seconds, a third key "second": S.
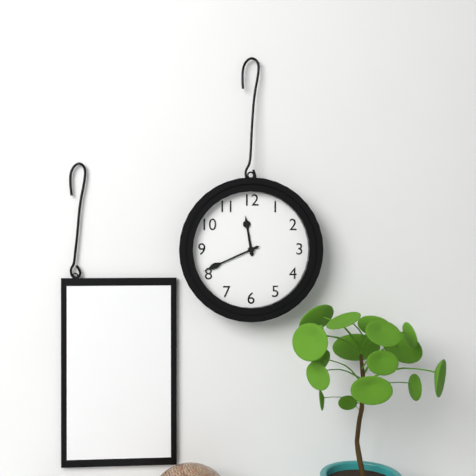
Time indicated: {"hour": 11, "minute": 41}
